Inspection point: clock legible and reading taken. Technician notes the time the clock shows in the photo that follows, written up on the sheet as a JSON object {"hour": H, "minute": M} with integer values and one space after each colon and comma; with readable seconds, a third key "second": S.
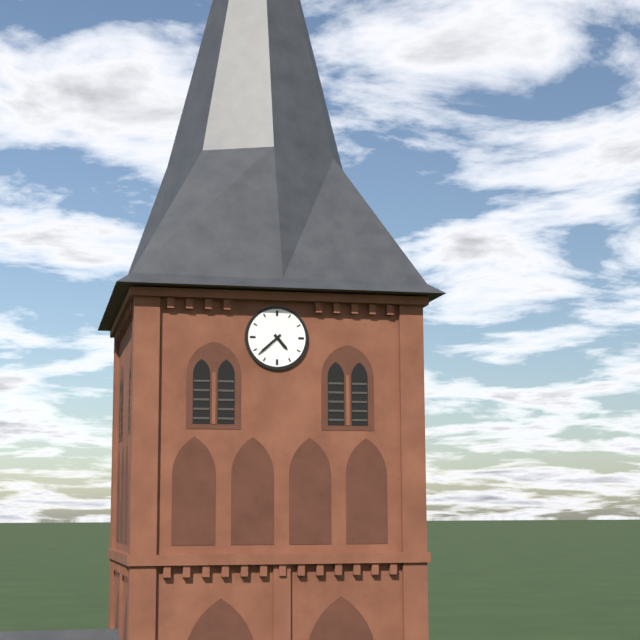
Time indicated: {"hour": 4, "minute": 38}
